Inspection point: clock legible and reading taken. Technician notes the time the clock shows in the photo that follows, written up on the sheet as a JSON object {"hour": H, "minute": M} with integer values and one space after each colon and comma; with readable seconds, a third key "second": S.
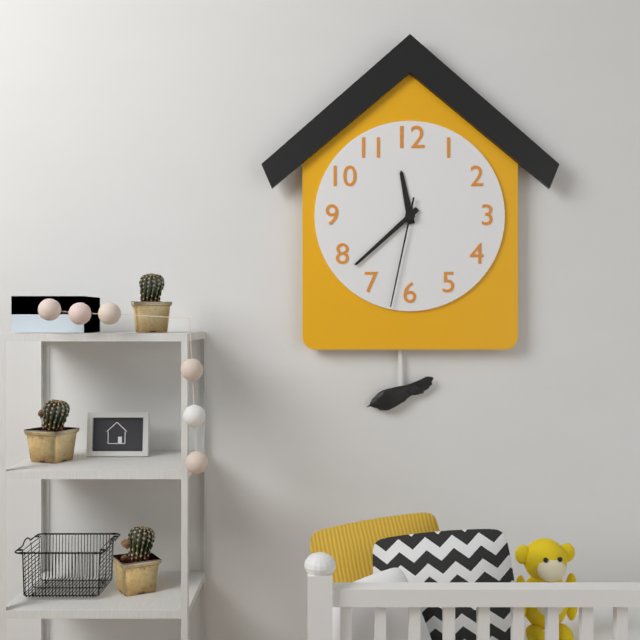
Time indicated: {"hour": 11, "minute": 38, "second": 32}
